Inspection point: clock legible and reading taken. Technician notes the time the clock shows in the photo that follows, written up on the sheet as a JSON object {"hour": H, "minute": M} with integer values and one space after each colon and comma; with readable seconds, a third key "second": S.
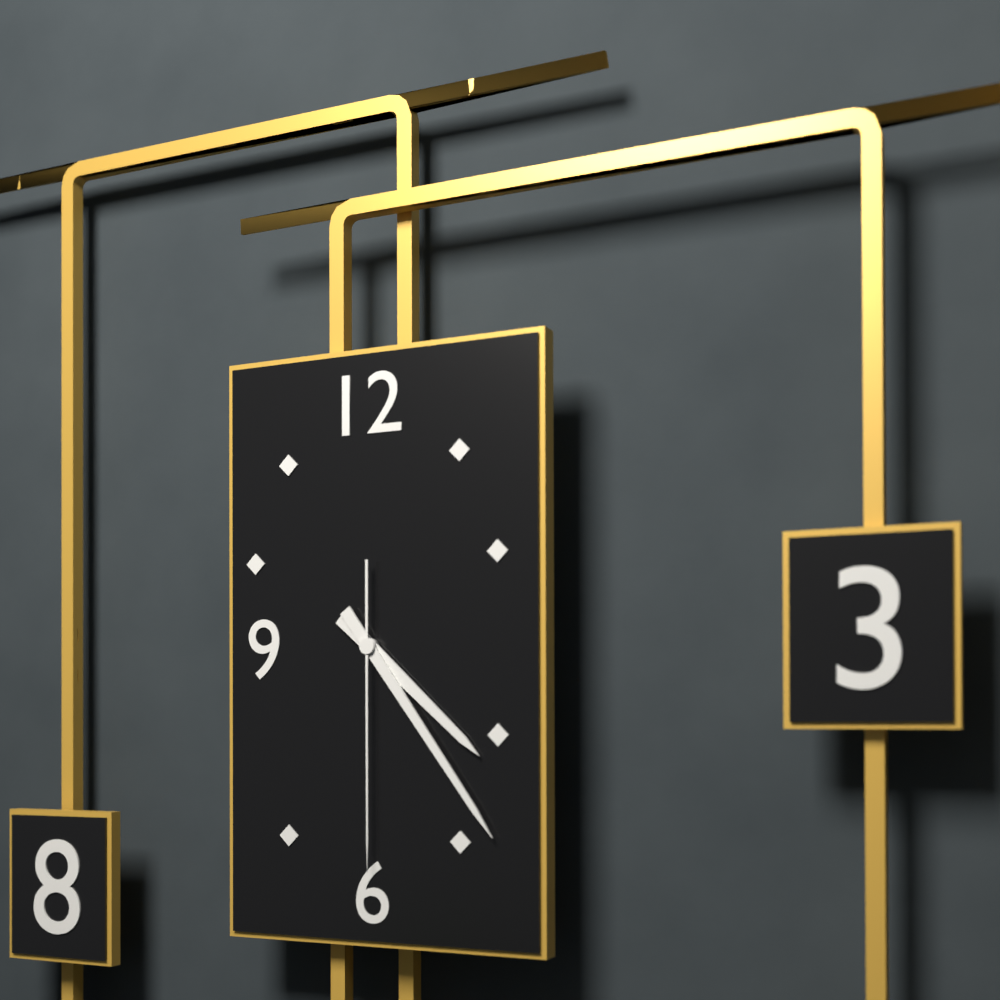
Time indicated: {"hour": 4, "minute": 24, "second": 30}
